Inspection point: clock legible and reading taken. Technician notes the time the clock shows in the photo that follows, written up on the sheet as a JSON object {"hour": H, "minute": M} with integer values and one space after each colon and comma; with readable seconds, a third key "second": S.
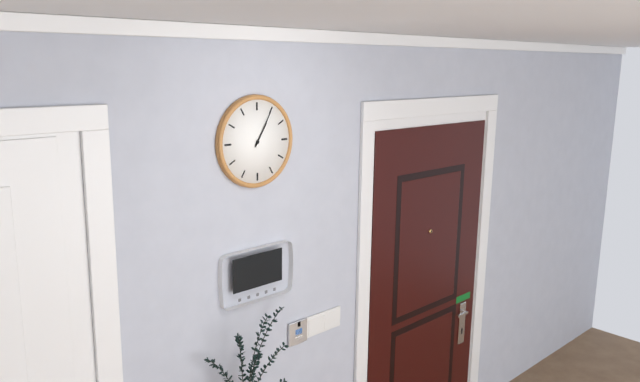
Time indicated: {"hour": 1, "minute": 5}
